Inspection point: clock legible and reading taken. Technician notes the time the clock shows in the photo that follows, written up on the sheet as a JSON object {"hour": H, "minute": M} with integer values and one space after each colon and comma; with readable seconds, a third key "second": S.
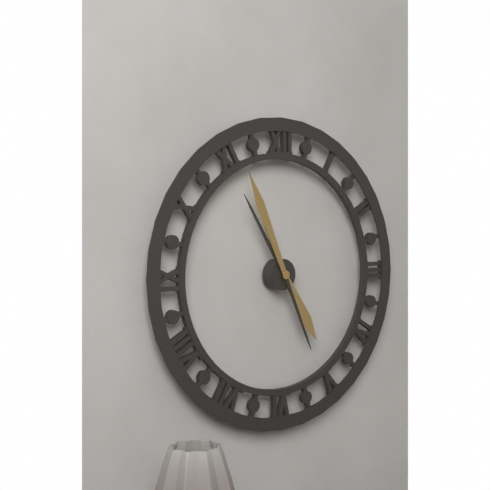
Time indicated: {"hour": 4, "minute": 56}
